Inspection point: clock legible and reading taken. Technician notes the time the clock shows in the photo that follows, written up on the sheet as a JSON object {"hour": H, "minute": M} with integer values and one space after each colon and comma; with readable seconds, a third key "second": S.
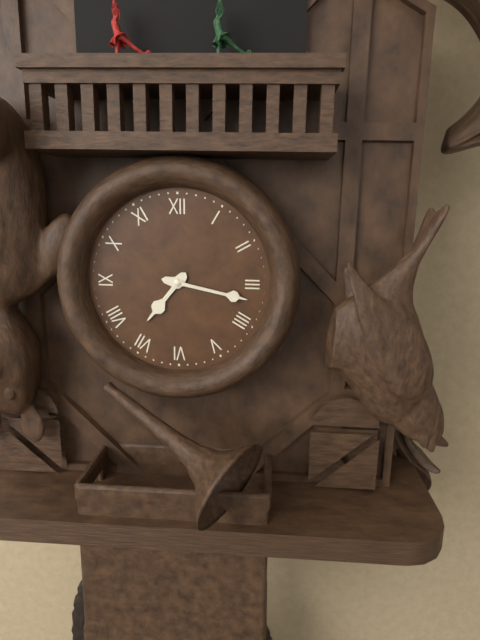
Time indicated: {"hour": 7, "minute": 17}
